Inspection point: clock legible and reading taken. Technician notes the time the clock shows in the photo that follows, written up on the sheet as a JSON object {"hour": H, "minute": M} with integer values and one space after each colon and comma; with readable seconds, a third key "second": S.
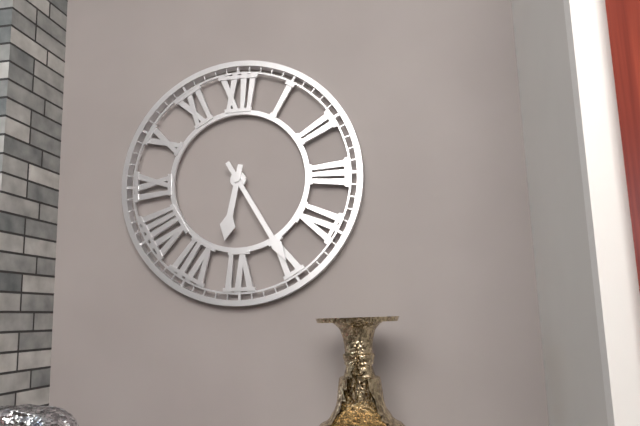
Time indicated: {"hour": 6, "minute": 25}
